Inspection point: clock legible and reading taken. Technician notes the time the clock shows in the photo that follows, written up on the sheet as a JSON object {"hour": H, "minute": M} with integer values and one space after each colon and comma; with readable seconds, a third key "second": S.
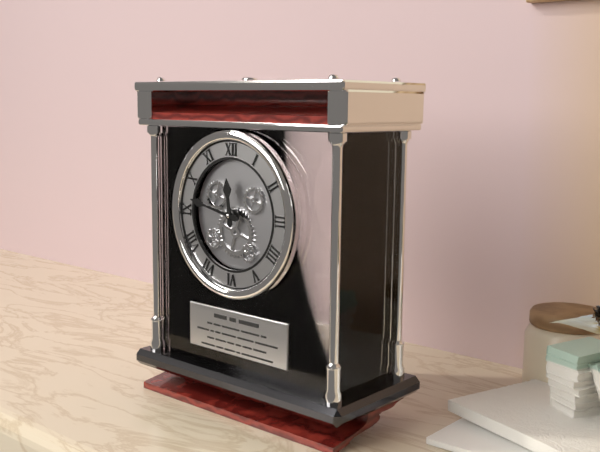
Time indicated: {"hour": 11, "minute": 47}
